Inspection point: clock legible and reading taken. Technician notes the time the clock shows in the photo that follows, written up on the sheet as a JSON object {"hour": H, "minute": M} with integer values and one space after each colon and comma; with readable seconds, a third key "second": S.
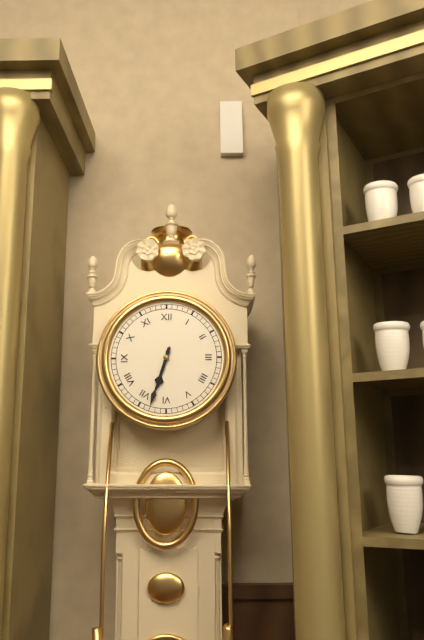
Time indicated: {"hour": 6, "minute": 33}
